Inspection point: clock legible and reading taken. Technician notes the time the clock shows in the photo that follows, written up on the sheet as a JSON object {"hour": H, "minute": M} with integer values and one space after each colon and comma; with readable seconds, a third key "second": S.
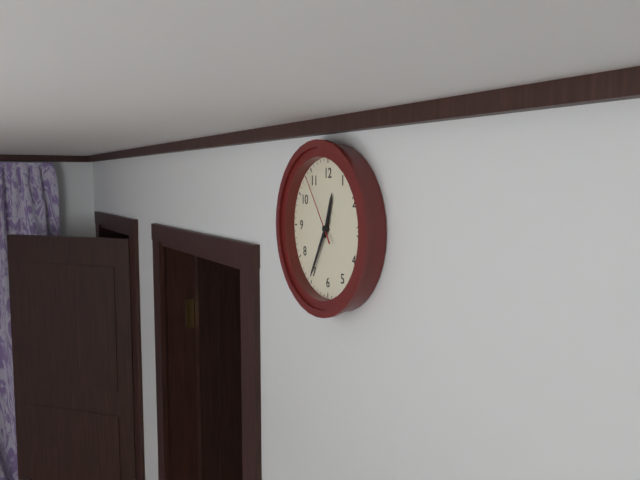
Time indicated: {"hour": 12, "minute": 35, "second": 54}
